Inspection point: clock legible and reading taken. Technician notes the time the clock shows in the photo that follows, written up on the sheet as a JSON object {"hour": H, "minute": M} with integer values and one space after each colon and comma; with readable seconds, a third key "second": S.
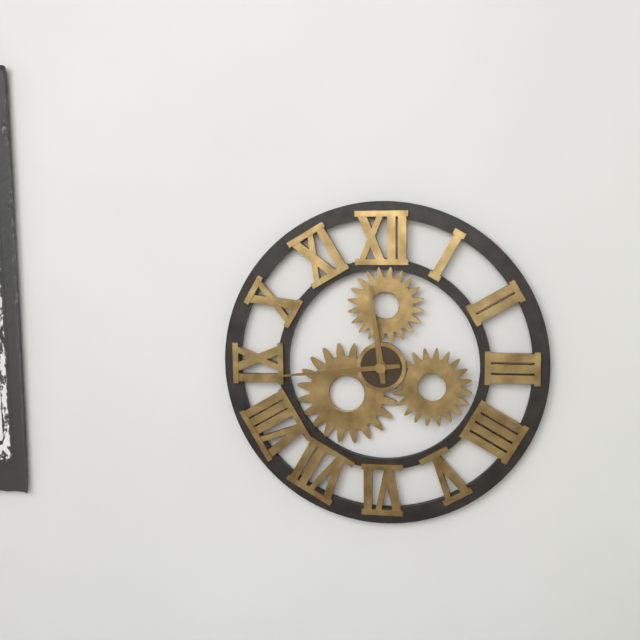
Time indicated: {"hour": 11, "minute": 44}
